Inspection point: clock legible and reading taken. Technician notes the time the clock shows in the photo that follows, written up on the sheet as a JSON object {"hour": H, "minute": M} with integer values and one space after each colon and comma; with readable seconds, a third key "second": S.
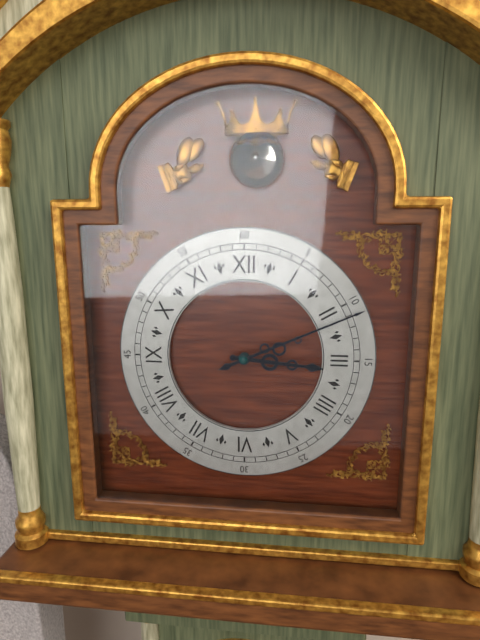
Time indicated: {"hour": 3, "minute": 11}
